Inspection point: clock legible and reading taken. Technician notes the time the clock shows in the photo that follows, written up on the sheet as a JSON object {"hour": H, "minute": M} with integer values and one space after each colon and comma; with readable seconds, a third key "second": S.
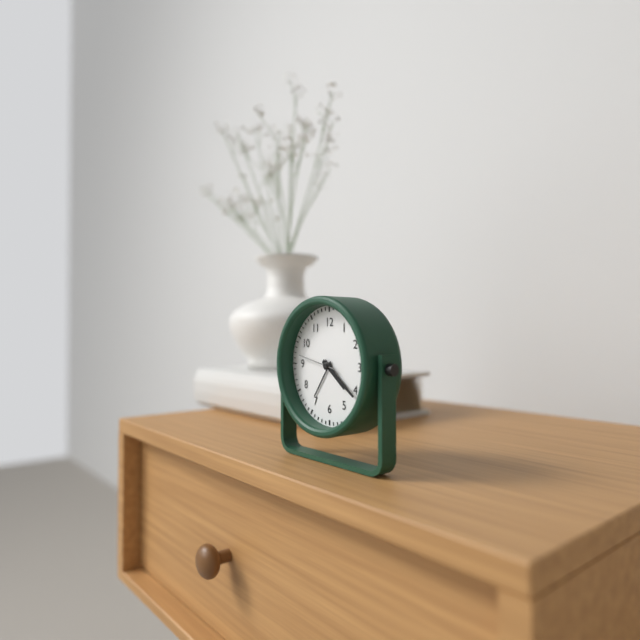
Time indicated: {"hour": 4, "minute": 21}
